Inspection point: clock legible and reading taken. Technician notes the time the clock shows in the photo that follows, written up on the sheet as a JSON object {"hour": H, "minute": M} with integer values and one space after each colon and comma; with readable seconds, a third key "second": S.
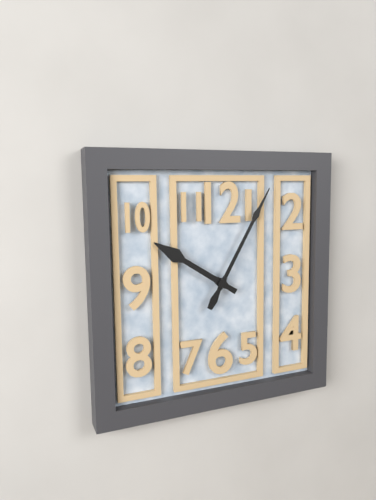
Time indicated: {"hour": 10, "minute": 5}
